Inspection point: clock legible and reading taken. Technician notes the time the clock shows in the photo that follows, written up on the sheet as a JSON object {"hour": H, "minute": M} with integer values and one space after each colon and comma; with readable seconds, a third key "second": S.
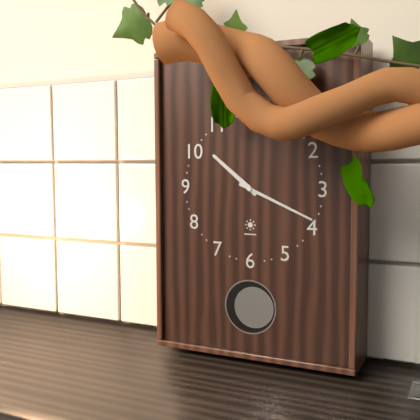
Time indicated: {"hour": 10, "minute": 19}
